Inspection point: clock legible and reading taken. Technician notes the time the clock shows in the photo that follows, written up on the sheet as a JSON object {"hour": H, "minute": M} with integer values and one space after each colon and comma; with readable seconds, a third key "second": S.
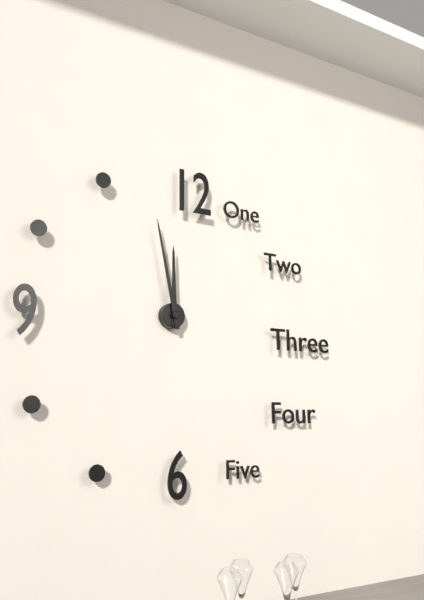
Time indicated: {"hour": 11, "minute": 58}
